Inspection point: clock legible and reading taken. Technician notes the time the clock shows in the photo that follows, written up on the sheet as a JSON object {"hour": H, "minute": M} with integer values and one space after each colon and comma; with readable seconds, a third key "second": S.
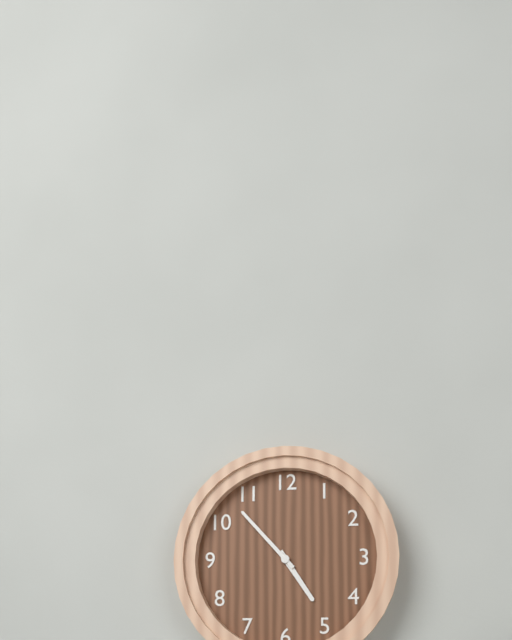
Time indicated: {"hour": 4, "minute": 53}
